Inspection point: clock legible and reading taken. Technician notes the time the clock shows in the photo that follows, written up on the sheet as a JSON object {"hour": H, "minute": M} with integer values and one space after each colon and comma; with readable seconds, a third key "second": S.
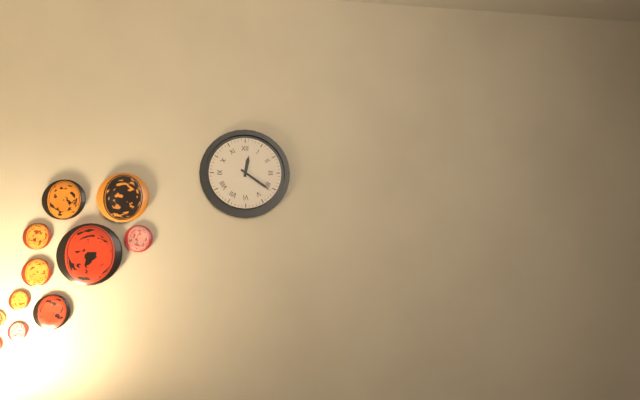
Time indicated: {"hour": 12, "minute": 21}
